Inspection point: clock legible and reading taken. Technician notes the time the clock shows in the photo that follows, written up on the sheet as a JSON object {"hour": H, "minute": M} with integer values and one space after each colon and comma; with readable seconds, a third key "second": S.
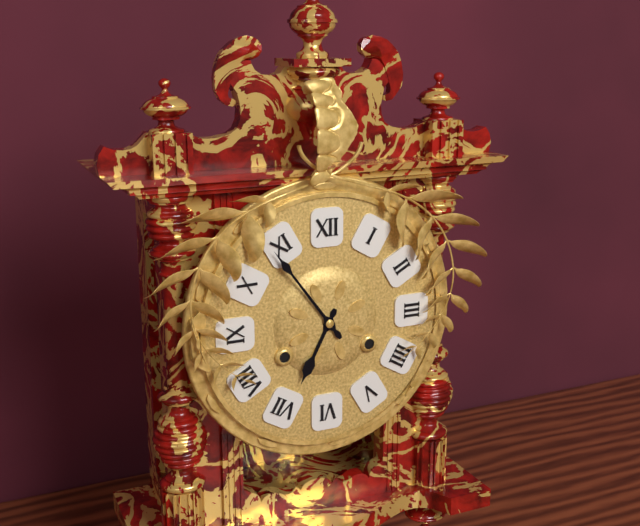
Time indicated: {"hour": 6, "minute": 54}
